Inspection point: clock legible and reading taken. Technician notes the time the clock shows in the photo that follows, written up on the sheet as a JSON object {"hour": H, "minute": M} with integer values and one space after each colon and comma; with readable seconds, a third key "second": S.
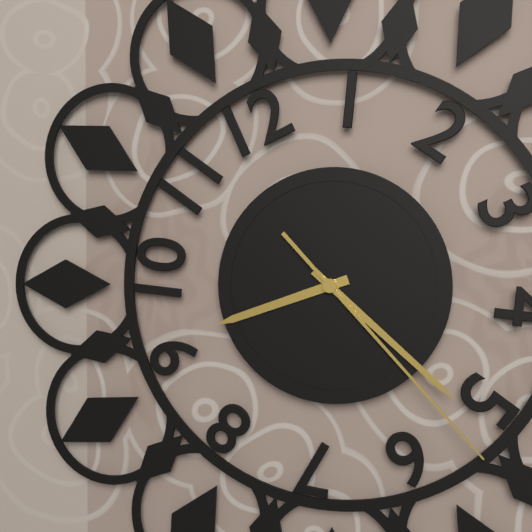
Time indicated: {"hour": 8, "minute": 22, "second": 23}
